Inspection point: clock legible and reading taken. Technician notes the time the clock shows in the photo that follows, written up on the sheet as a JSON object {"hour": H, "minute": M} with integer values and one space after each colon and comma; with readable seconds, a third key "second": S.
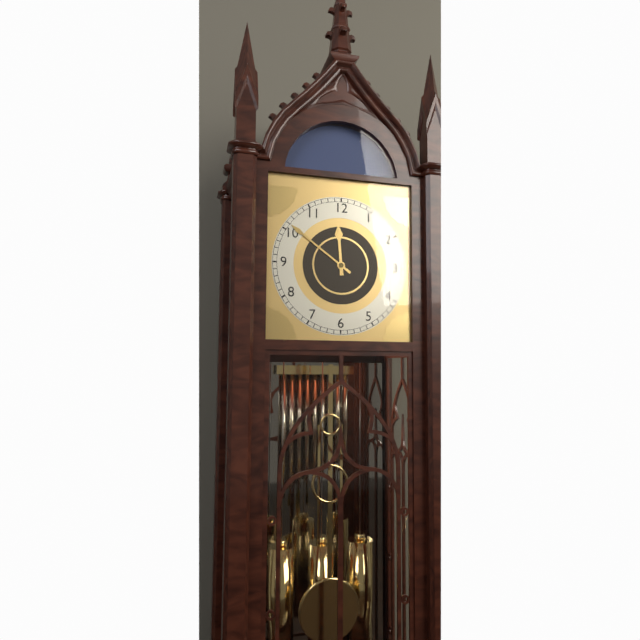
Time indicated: {"hour": 11, "minute": 51}
